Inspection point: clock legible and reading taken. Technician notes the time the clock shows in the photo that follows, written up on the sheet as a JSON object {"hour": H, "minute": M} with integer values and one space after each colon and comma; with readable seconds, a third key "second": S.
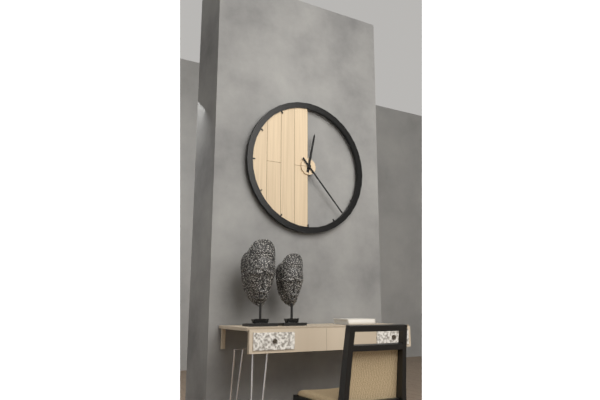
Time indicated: {"hour": 12, "minute": 23}
